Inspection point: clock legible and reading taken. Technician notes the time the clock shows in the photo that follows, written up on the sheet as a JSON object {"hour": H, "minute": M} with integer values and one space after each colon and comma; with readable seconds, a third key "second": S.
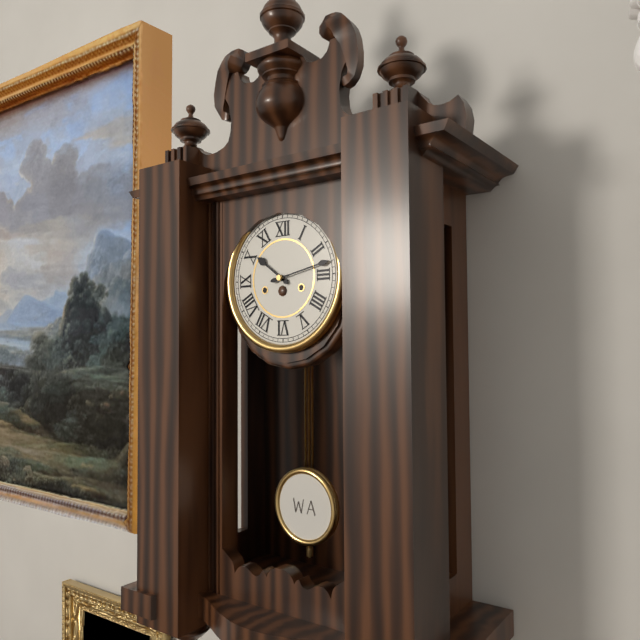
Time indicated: {"hour": 10, "minute": 13}
